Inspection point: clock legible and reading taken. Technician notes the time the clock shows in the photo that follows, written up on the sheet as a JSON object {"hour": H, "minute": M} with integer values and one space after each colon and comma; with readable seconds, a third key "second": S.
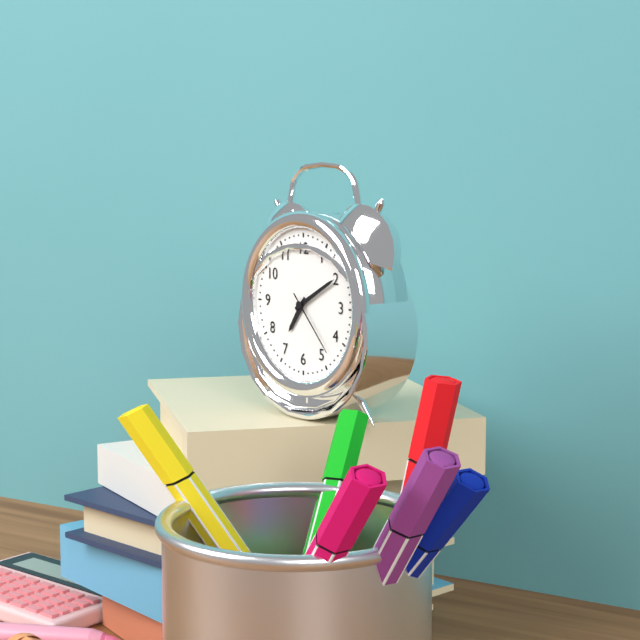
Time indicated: {"hour": 7, "minute": 10, "second": 23}
